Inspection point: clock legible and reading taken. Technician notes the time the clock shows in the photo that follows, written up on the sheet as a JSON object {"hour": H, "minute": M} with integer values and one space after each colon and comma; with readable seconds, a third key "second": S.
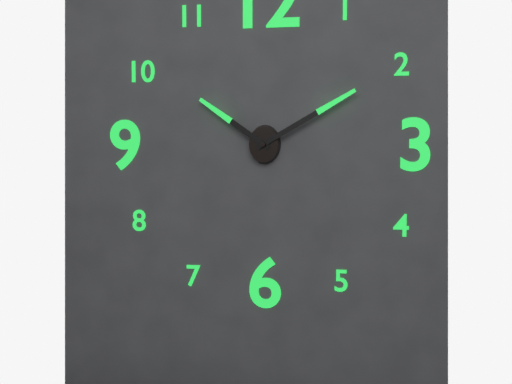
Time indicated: {"hour": 10, "minute": 10}
